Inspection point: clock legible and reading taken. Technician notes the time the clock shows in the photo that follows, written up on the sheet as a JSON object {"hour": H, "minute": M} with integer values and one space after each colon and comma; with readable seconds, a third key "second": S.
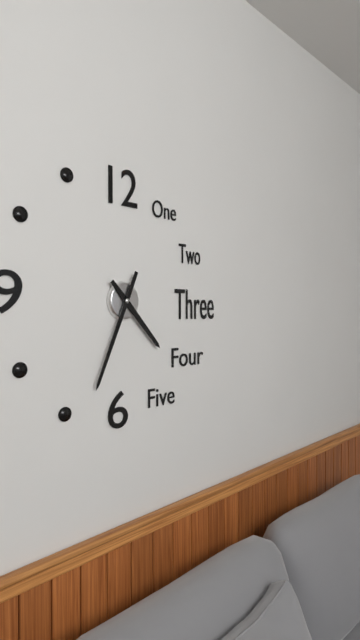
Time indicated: {"hour": 4, "minute": 34}
